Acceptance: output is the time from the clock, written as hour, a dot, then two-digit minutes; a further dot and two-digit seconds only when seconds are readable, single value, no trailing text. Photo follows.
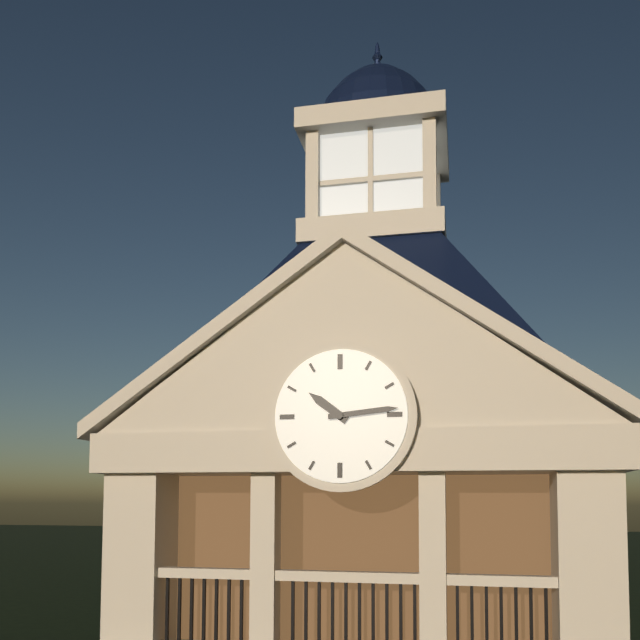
10.14
